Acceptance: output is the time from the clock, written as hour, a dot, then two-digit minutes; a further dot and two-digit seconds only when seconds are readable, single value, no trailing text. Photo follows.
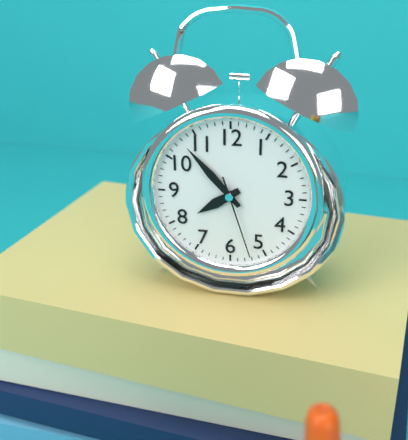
7.53.27
